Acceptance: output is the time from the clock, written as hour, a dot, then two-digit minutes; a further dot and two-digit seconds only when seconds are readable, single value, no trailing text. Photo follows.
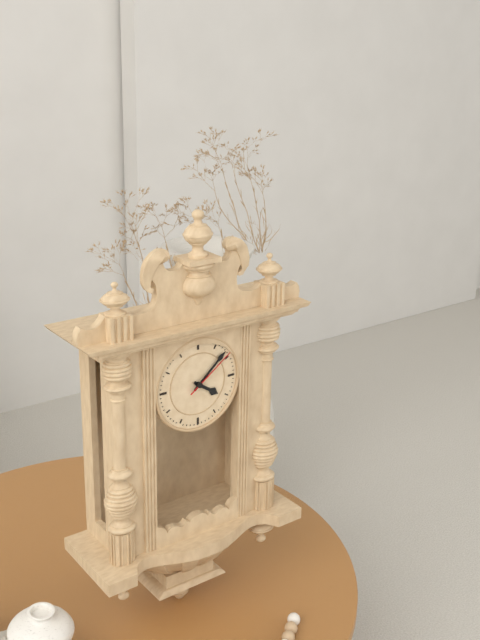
4.08.09
